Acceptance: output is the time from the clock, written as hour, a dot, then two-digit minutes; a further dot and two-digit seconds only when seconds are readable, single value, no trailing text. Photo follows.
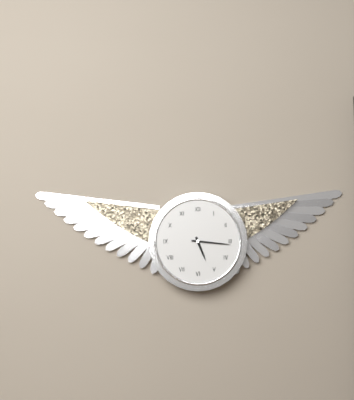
5.16
